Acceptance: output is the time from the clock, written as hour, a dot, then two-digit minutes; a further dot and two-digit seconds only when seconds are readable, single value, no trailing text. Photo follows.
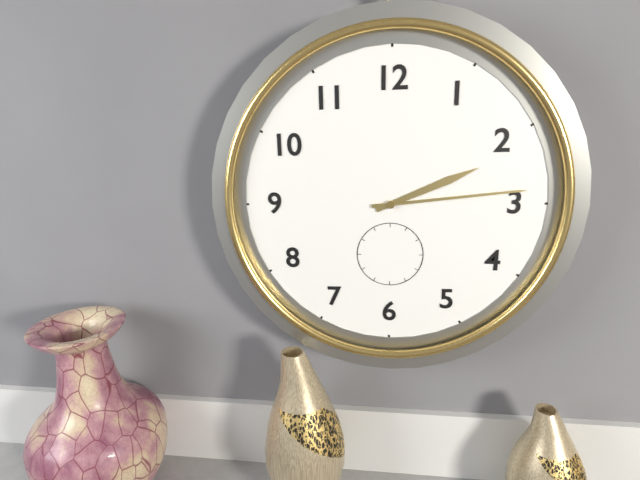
2.14
